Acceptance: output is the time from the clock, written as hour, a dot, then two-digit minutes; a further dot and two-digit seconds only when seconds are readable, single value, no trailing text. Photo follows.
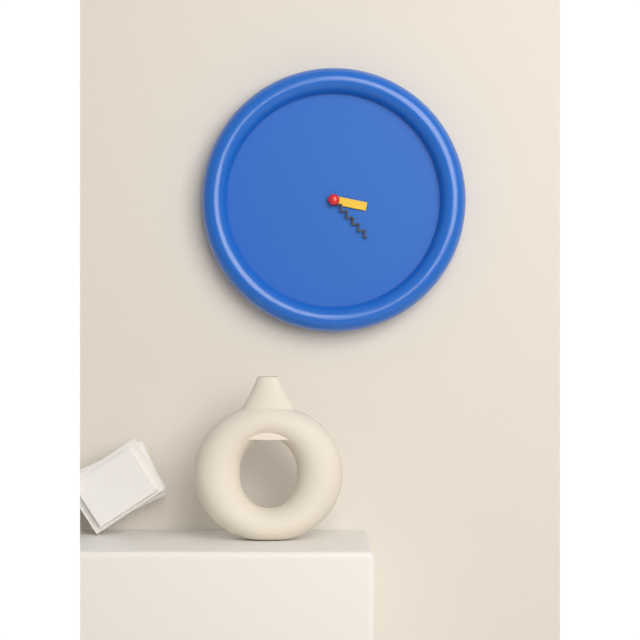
3.23
